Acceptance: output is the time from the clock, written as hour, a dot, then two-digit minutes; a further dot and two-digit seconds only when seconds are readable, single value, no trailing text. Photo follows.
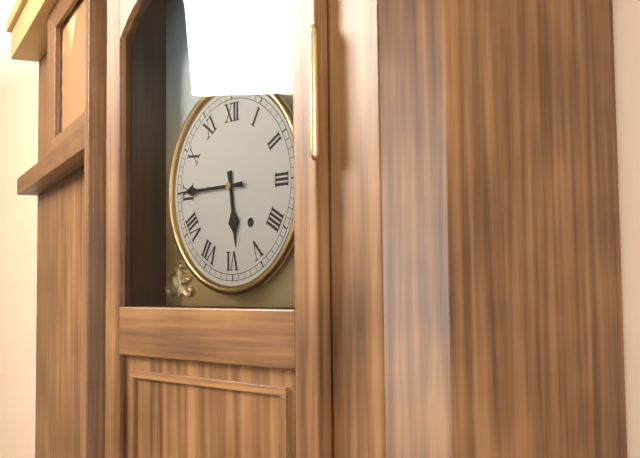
5.45
